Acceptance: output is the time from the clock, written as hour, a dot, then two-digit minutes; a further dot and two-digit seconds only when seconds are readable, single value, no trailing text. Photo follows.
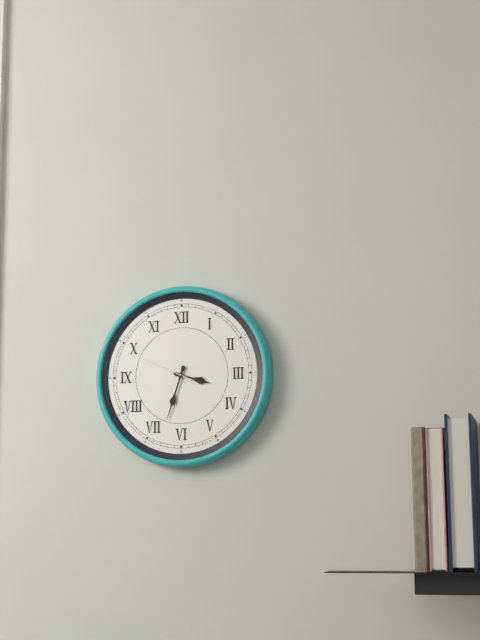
3.33.49
